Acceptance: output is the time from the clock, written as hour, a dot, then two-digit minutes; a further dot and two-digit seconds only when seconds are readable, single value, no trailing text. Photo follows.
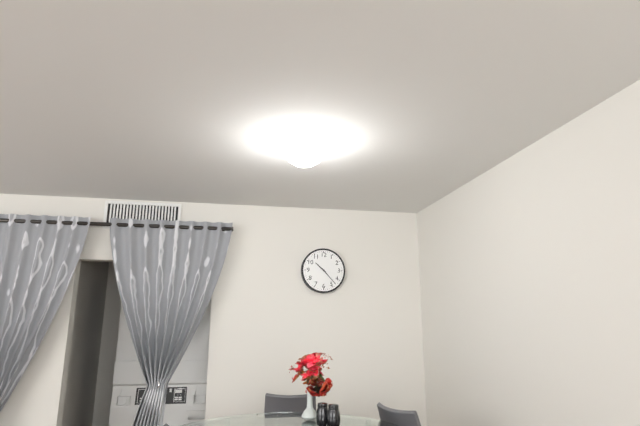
10.23
